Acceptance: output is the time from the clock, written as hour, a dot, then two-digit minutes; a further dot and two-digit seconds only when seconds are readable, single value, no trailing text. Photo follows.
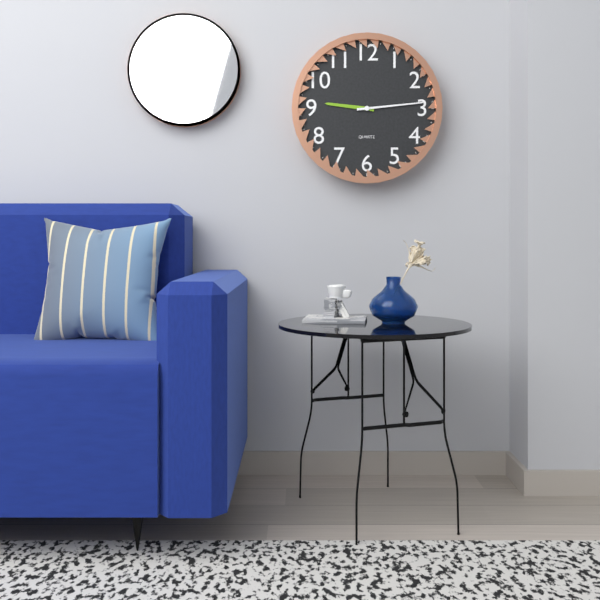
9.14
